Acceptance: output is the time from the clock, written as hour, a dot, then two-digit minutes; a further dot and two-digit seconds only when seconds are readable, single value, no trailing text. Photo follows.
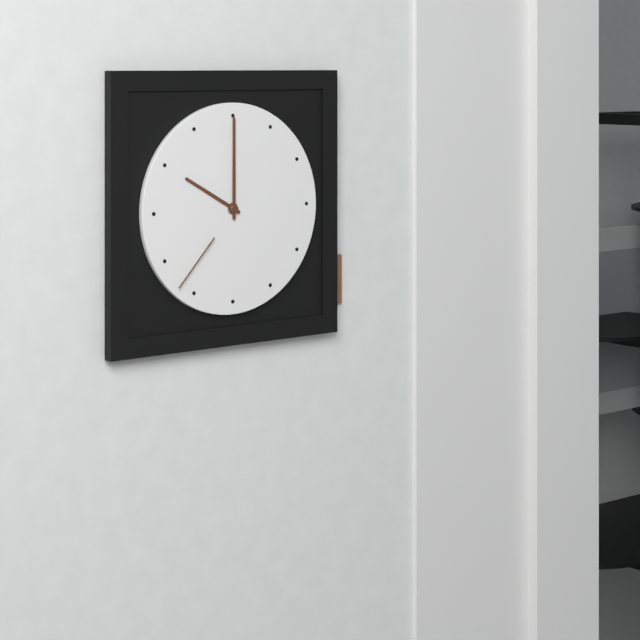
10.00.37
